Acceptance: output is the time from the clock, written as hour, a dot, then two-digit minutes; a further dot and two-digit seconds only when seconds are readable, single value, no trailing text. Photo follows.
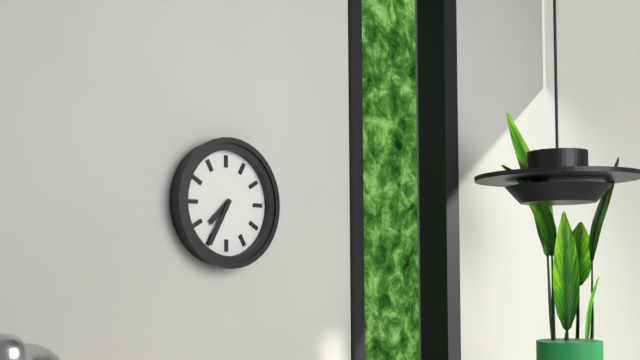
7.35
